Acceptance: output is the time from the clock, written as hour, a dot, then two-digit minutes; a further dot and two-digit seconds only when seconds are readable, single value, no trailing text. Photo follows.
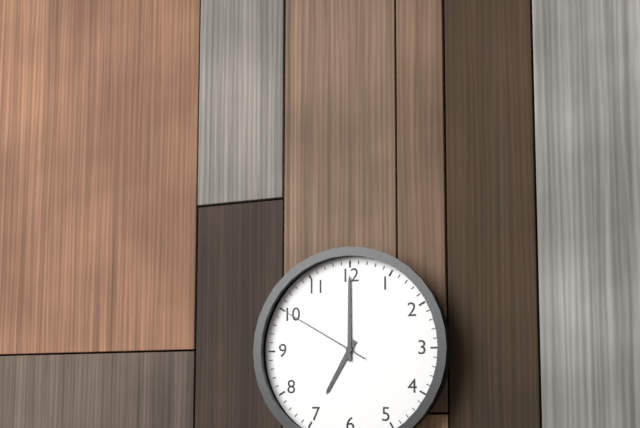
7.00.50
